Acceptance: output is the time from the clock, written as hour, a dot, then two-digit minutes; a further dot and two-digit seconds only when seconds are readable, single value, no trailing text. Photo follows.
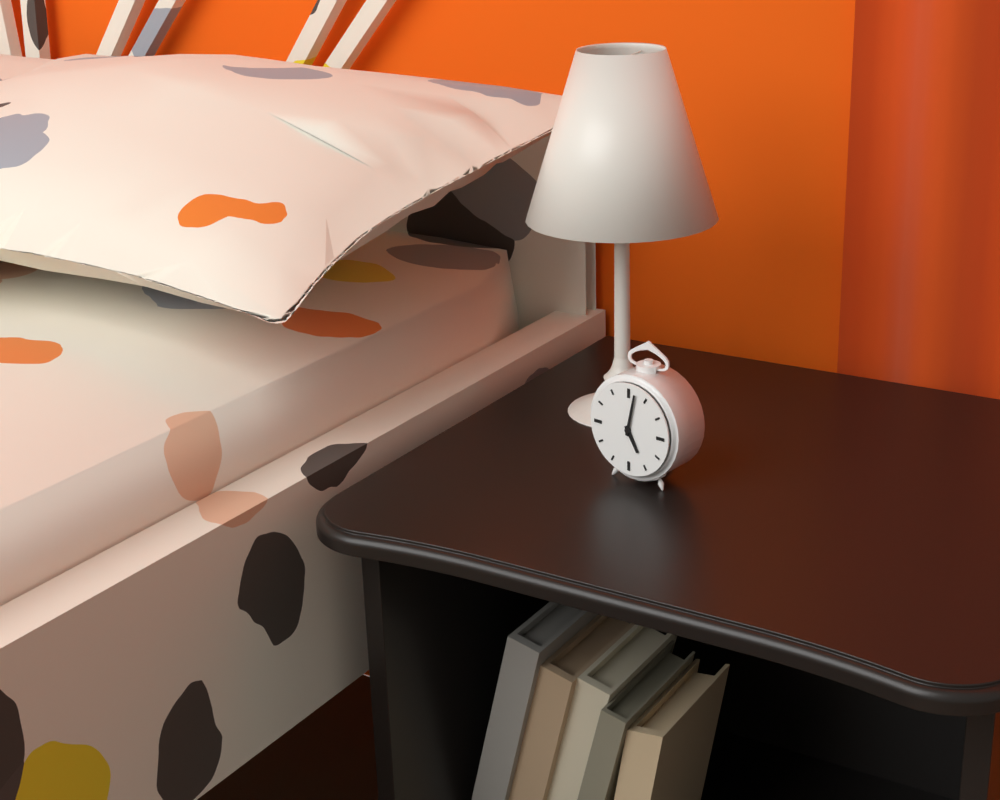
5.02
